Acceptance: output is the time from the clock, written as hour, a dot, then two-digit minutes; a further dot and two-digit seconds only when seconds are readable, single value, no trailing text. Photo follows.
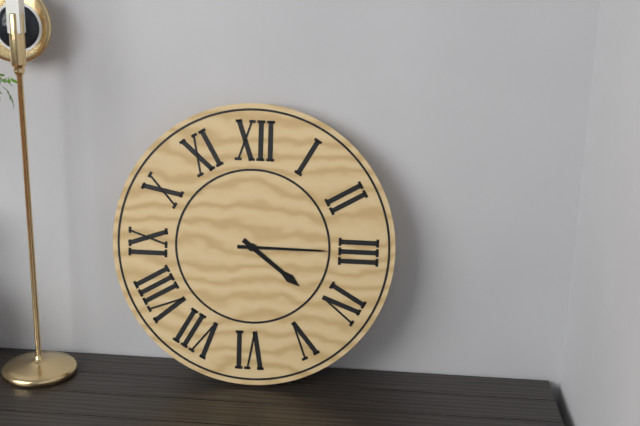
4.15
